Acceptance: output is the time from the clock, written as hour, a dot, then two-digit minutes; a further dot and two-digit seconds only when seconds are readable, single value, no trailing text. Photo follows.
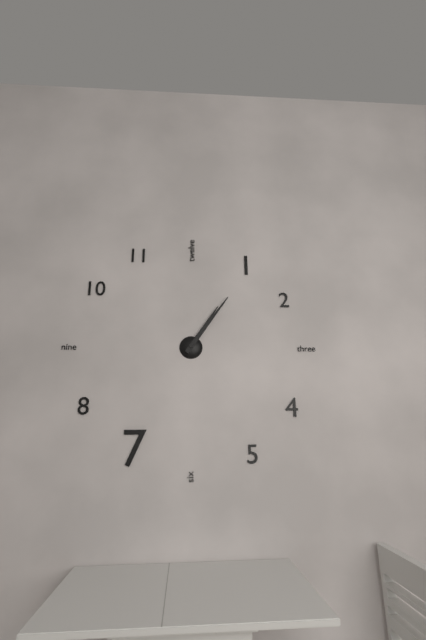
1.06
